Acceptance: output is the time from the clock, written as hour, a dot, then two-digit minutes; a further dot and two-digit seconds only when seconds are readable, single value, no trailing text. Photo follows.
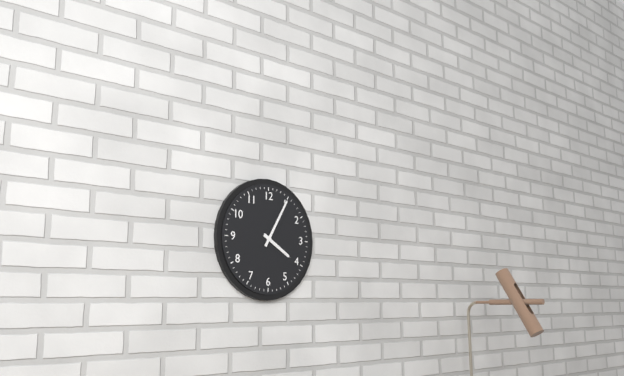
4.05
